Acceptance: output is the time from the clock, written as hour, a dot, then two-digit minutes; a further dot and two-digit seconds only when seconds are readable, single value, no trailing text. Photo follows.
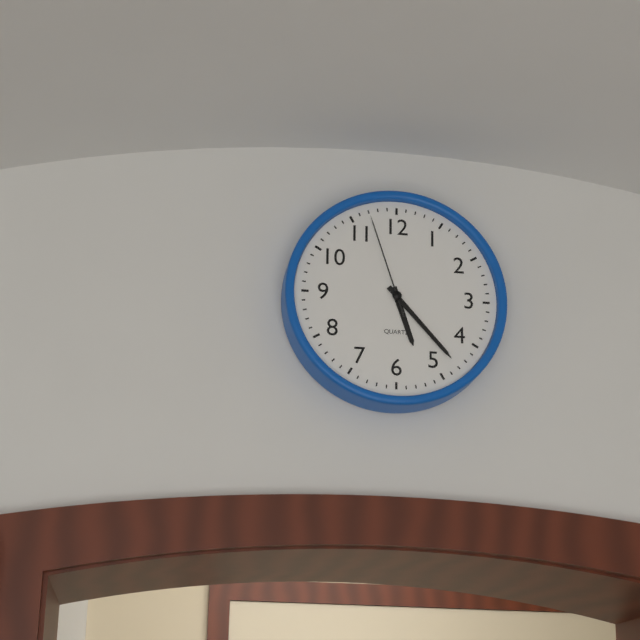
5.23.57
